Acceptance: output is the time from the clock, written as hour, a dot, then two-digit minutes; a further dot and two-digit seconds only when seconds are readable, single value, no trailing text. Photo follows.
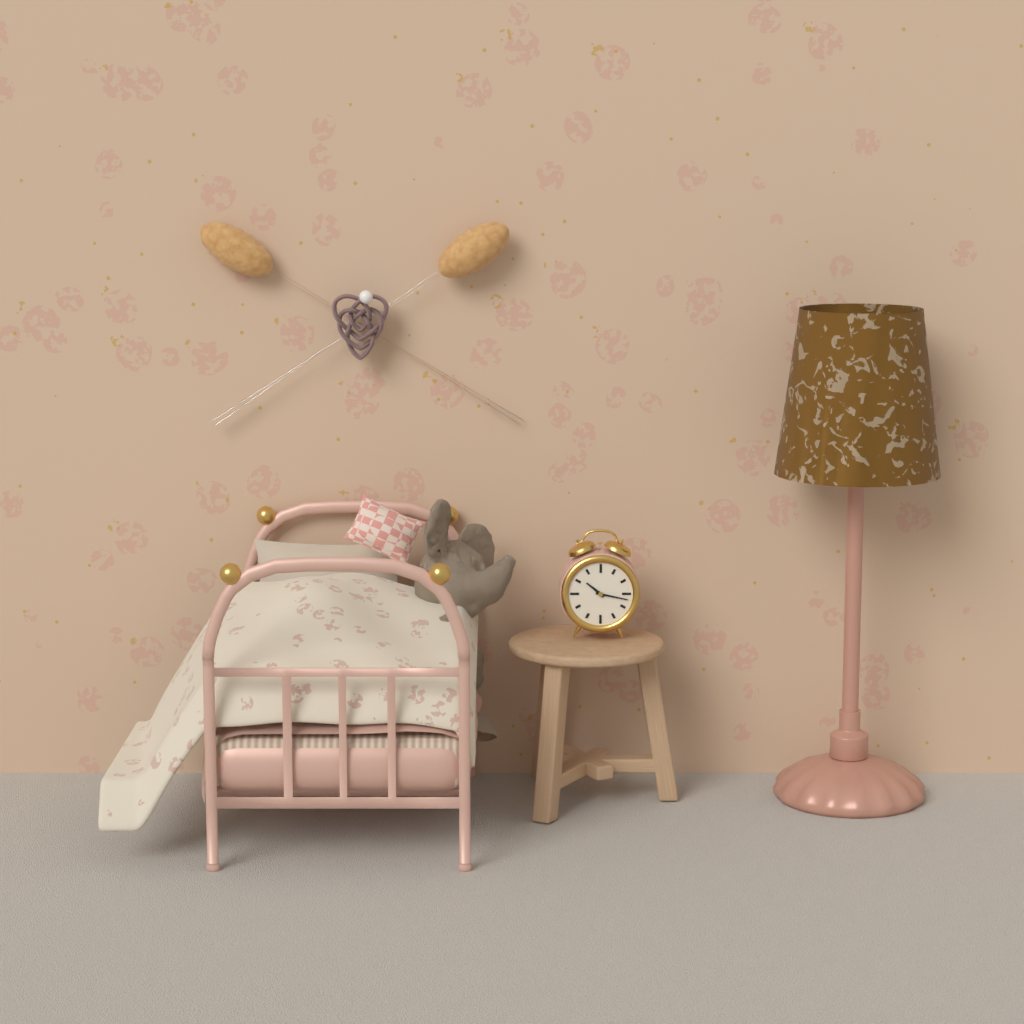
10.17
